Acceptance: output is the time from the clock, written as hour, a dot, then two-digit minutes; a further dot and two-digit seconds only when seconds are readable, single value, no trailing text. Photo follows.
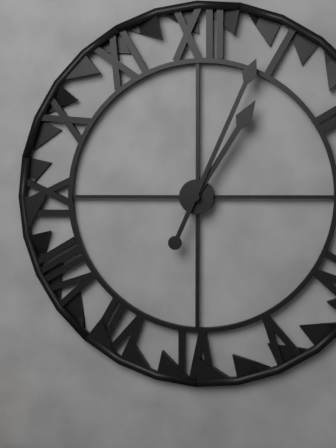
1.04
